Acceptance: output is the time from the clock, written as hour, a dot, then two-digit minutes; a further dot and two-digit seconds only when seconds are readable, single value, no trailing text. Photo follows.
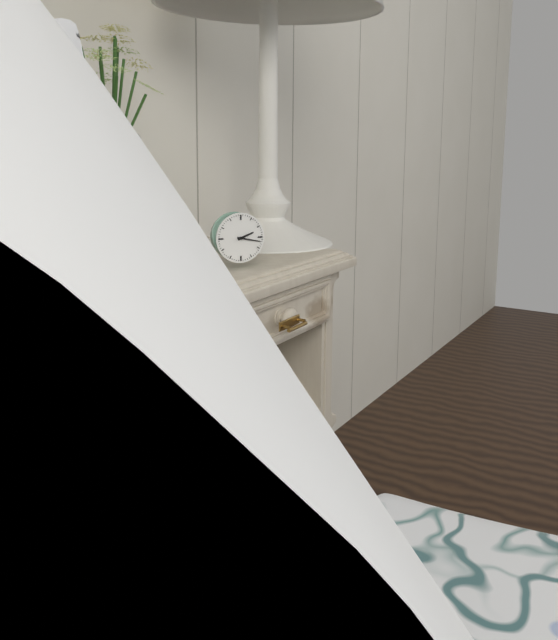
2.17
